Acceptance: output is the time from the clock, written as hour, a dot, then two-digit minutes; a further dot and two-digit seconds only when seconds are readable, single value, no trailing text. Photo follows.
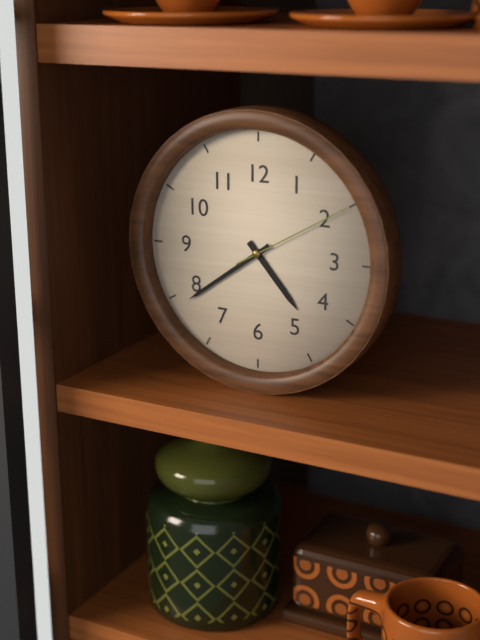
4.39.10
